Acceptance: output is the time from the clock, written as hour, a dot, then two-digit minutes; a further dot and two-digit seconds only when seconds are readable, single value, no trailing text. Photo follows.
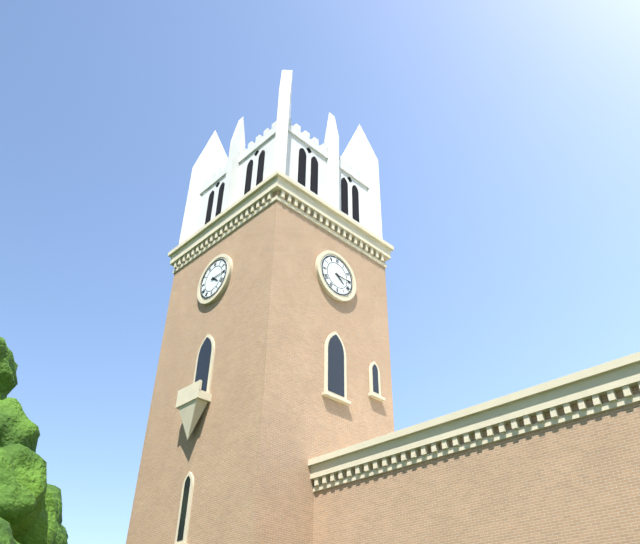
4.15
